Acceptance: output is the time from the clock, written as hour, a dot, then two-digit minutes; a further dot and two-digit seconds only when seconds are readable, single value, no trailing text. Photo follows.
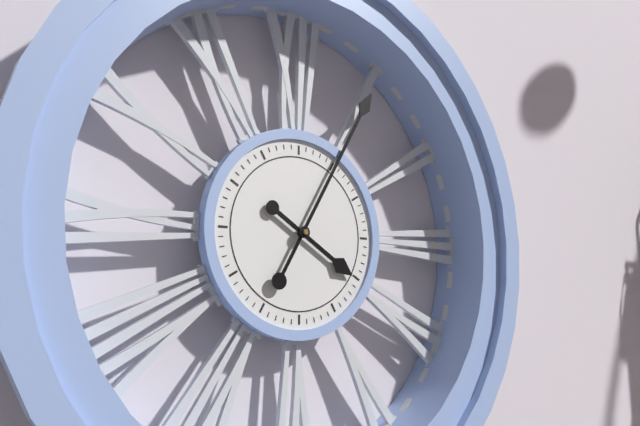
4.05
